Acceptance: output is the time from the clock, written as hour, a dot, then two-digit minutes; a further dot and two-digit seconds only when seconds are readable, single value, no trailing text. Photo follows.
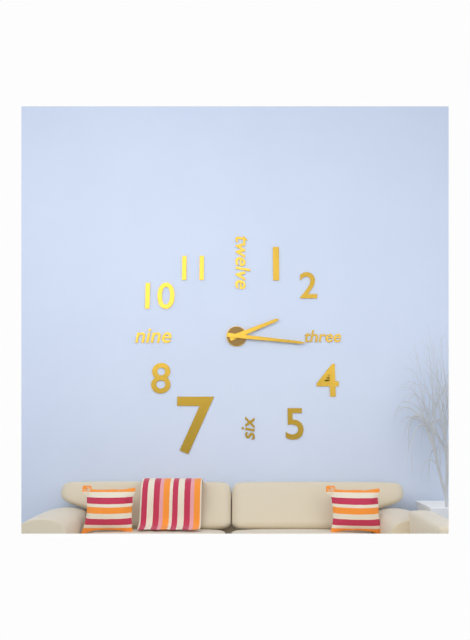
2.16
